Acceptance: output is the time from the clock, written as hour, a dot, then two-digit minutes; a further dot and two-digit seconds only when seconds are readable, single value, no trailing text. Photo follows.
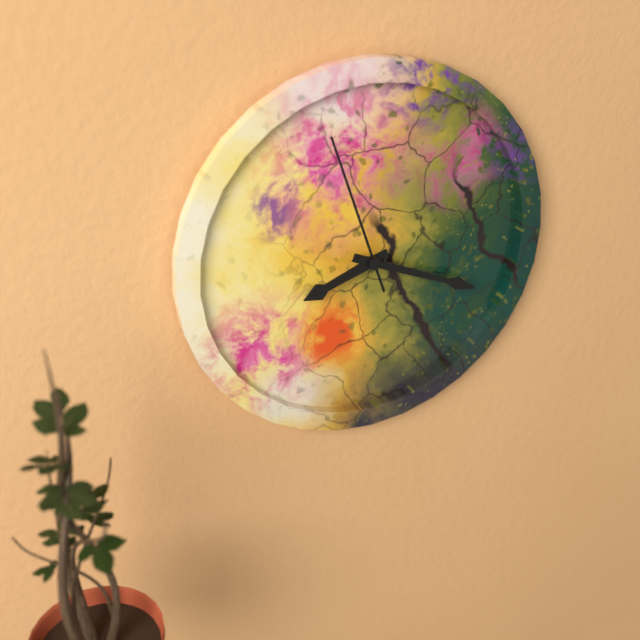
8.19.57
